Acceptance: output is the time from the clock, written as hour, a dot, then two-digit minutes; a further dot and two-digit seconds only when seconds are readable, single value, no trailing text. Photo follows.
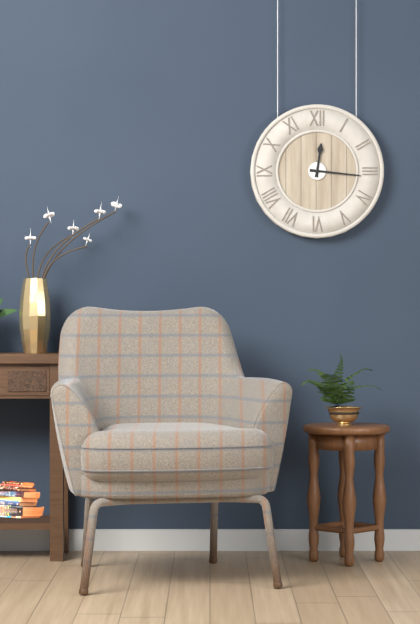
12.16
